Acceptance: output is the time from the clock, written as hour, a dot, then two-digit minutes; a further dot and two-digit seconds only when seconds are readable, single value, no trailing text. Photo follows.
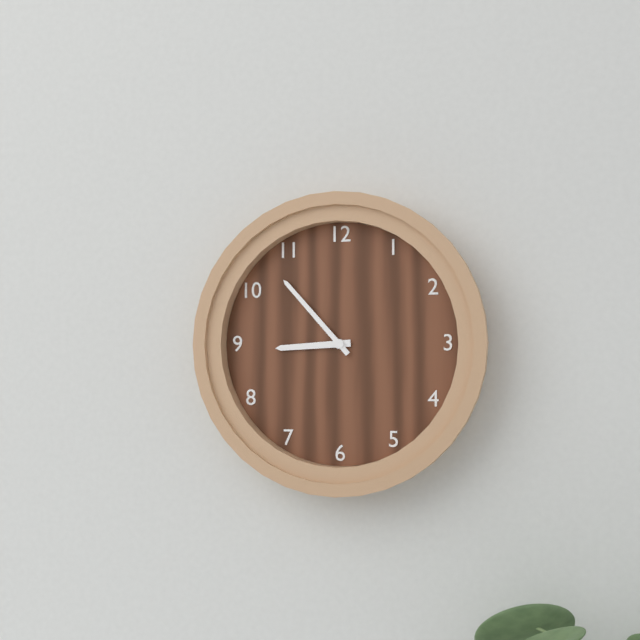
8.53
